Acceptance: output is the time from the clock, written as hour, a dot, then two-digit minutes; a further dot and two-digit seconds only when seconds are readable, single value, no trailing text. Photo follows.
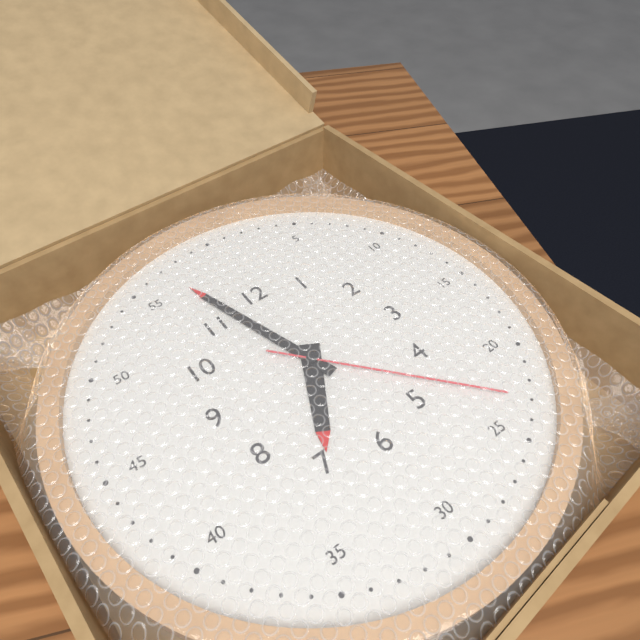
6.57.23
